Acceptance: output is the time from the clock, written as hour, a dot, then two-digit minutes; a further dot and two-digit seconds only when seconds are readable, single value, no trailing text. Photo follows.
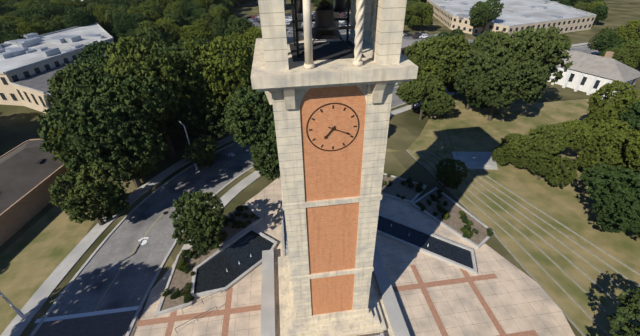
7.19
